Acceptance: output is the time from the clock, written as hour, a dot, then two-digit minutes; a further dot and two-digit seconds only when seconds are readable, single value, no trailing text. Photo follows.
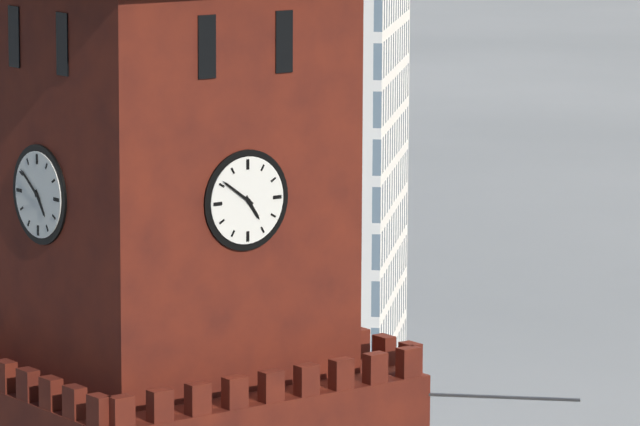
4.51
